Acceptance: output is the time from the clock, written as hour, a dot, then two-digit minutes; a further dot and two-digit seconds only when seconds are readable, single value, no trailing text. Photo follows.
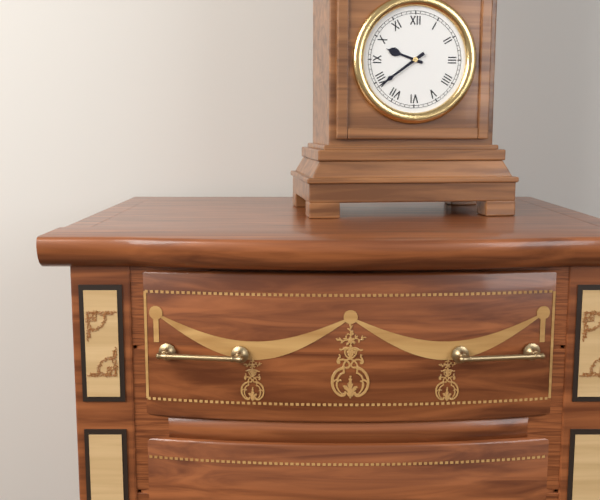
9.39
